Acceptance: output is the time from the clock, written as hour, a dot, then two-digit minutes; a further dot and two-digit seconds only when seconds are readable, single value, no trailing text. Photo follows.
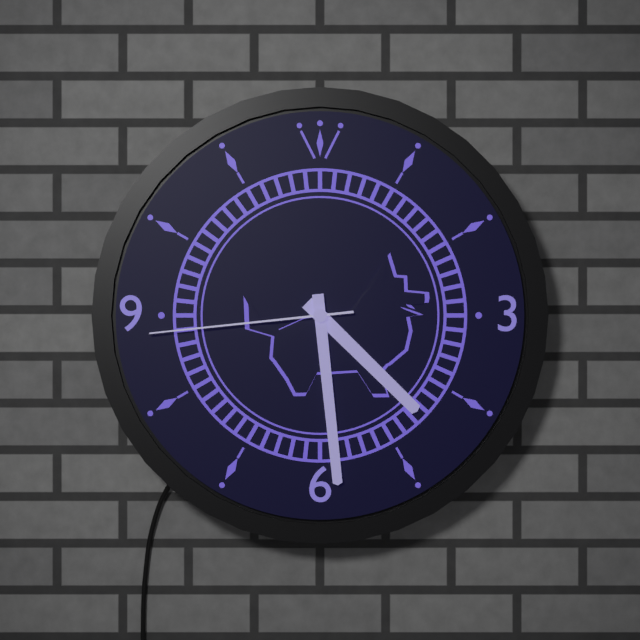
4.29.44
